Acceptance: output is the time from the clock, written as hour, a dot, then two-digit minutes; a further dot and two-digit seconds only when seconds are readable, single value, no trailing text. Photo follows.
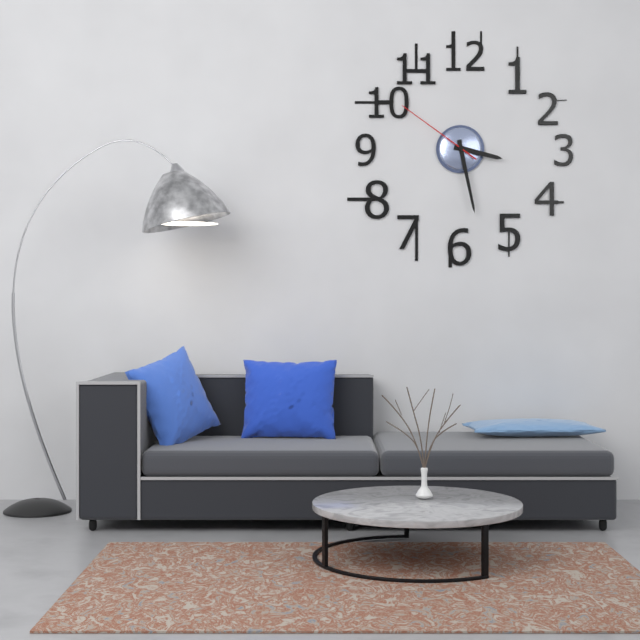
3.28.51
